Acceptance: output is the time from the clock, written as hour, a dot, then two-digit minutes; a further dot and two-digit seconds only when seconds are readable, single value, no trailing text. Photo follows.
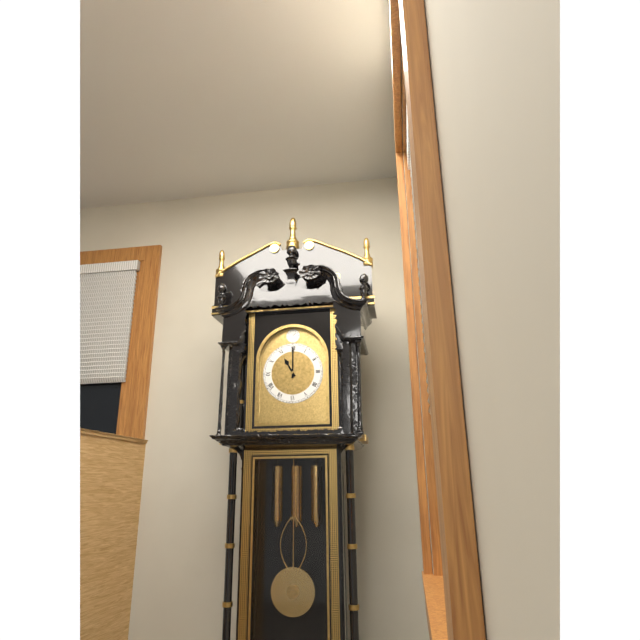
11.00
